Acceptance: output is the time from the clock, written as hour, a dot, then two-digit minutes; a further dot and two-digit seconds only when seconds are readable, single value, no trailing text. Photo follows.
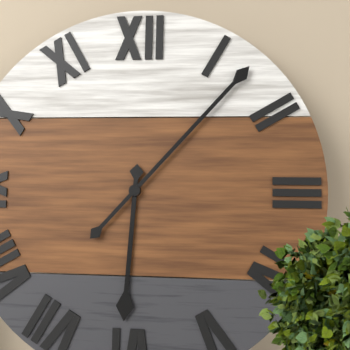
6.07
